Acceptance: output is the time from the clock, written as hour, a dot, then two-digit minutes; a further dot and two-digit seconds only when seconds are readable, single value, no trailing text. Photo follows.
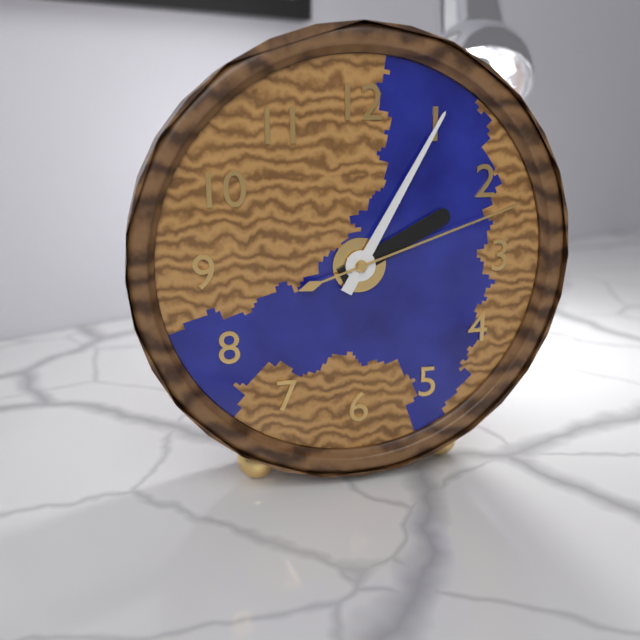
2.05.12
